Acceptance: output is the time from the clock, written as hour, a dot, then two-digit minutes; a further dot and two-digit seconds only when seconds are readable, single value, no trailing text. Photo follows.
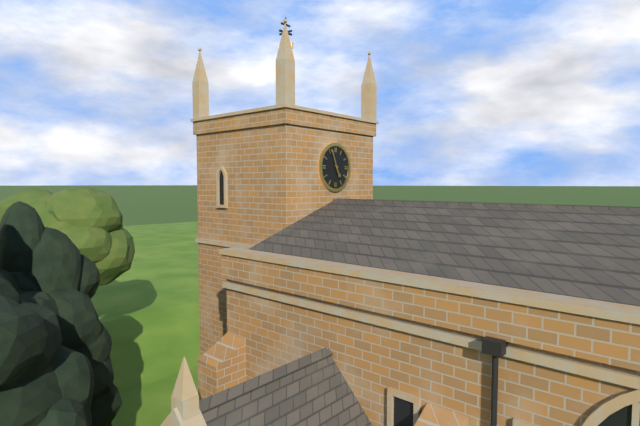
4.56
